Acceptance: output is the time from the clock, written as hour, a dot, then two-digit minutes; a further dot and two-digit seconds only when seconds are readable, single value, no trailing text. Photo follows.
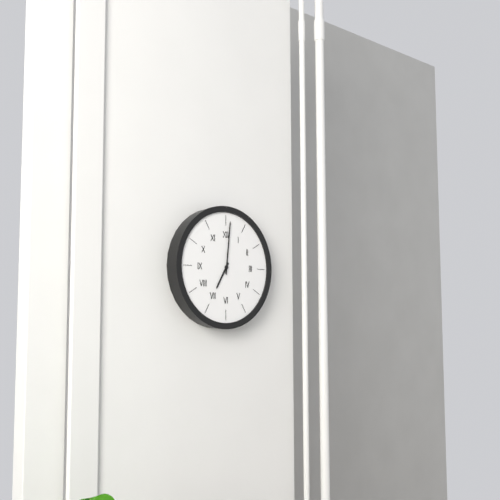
7.01
